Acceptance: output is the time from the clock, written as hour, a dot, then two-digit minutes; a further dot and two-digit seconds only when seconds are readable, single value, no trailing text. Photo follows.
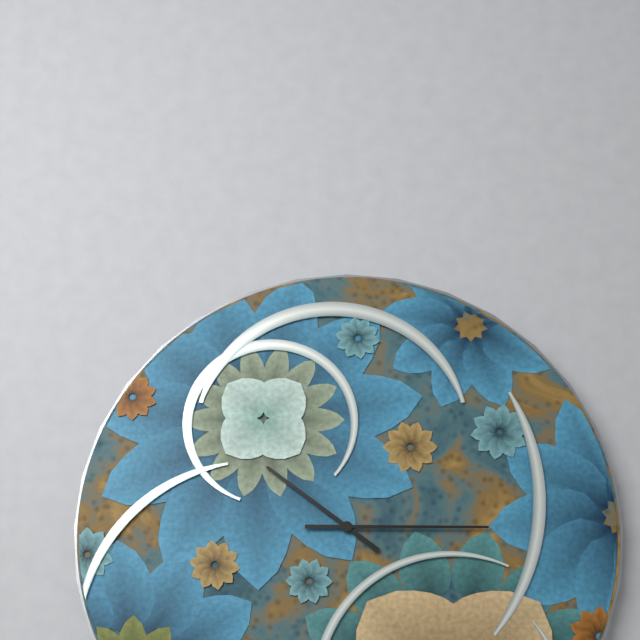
10.15
